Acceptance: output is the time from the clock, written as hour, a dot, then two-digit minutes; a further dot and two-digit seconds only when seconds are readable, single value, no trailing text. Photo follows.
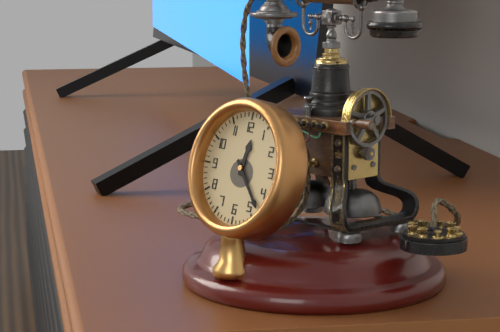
12.23
